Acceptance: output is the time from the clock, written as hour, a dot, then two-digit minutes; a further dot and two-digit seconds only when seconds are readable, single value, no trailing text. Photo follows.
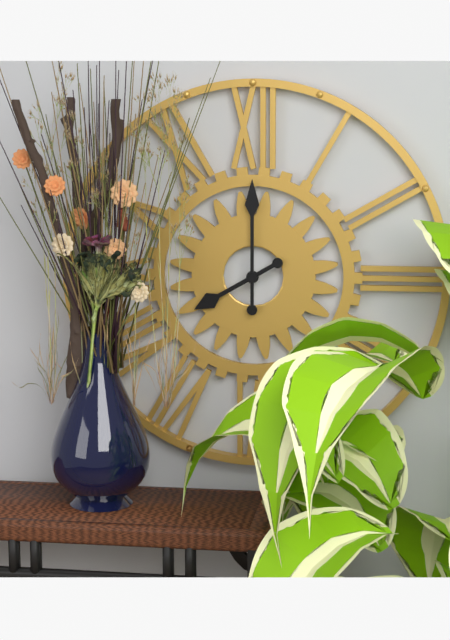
8.00
